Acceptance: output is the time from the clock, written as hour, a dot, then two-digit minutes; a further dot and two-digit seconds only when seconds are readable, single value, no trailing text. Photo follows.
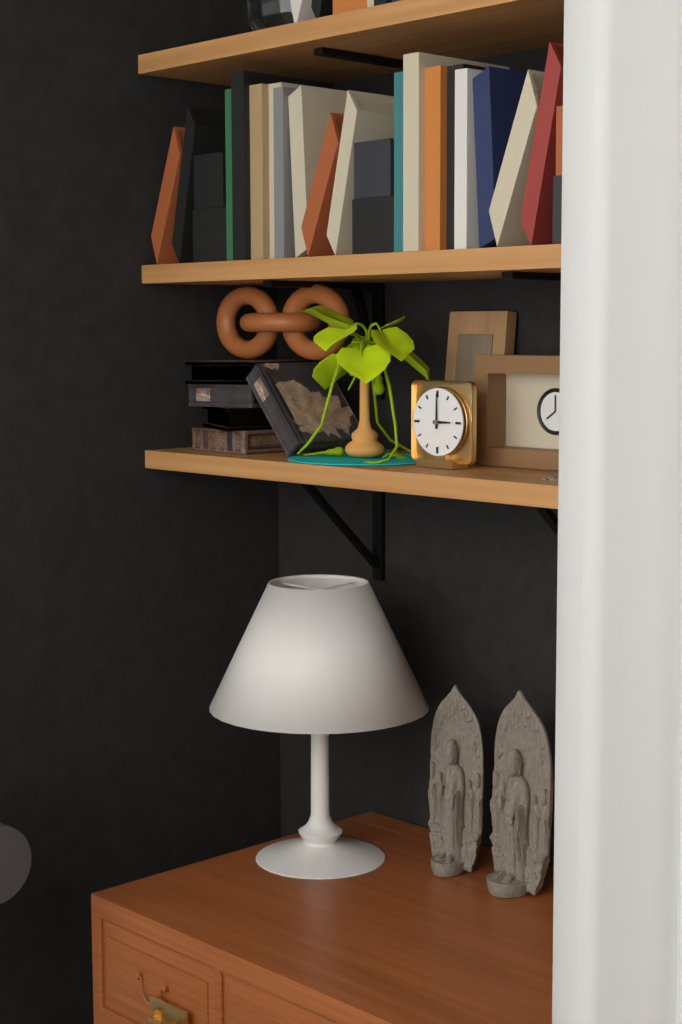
3.00
